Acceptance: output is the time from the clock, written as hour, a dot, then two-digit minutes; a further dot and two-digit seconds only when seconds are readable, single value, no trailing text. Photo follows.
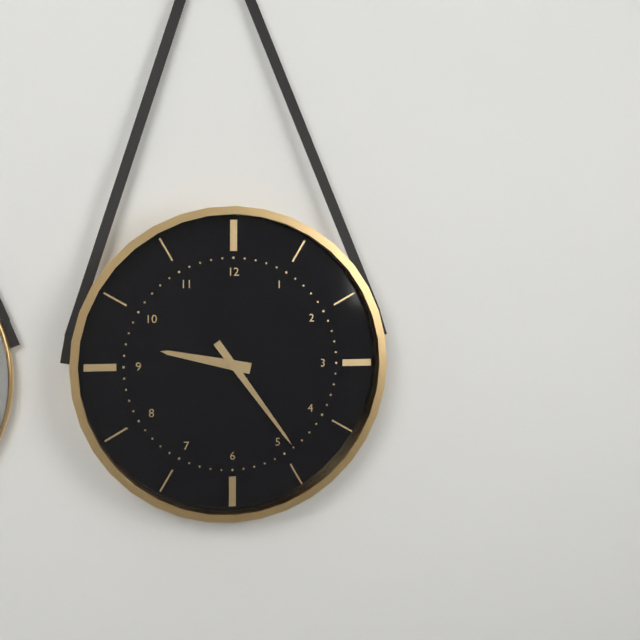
9.24
